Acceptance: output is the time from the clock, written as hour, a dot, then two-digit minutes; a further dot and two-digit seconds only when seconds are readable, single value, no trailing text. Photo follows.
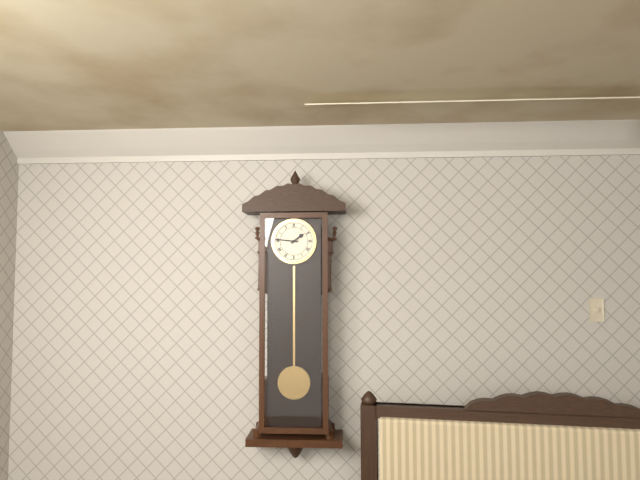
1.46
